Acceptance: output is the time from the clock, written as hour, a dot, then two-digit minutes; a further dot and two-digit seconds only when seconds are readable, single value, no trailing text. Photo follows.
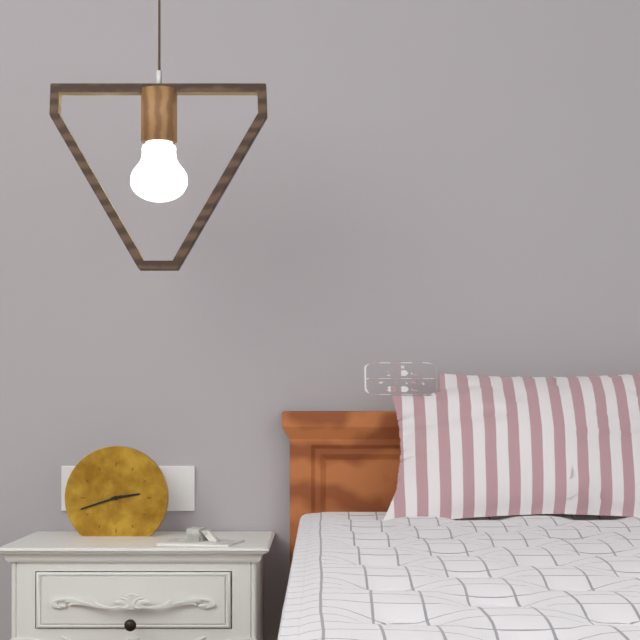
2.42
